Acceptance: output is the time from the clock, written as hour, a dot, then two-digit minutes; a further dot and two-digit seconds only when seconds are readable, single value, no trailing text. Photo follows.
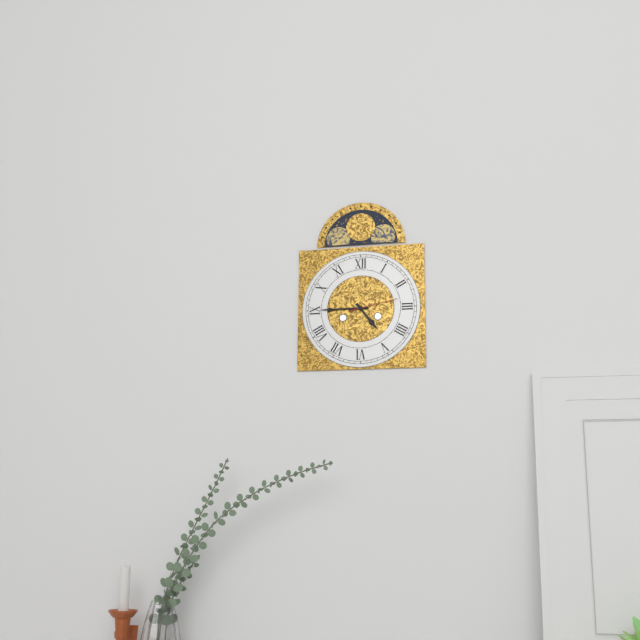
4.45
